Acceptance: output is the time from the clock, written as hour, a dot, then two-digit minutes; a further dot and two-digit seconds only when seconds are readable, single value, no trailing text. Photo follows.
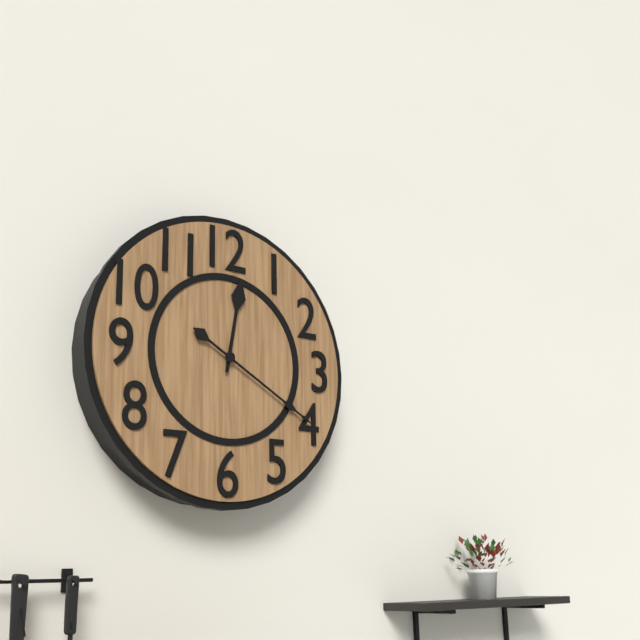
12.20
